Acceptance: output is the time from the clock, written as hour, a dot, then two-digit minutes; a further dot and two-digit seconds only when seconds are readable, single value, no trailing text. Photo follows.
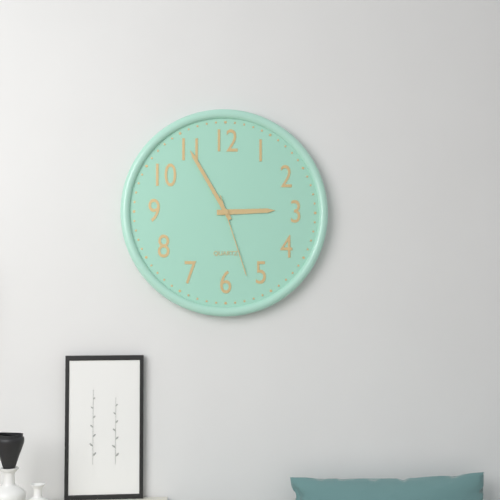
2.55.27
